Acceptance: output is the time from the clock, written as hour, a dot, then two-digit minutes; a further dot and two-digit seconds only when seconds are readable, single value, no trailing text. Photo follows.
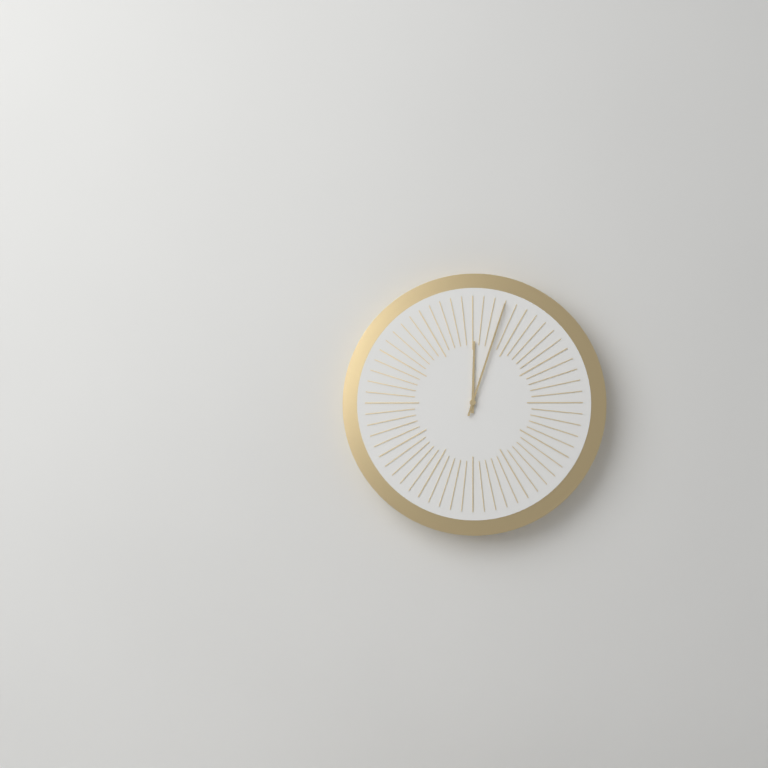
12.03
